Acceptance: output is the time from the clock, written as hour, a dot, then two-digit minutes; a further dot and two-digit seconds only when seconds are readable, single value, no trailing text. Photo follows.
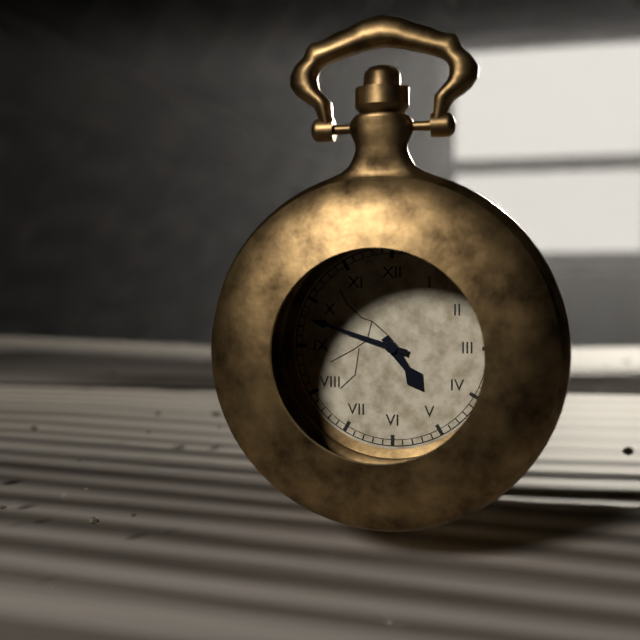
4.48
